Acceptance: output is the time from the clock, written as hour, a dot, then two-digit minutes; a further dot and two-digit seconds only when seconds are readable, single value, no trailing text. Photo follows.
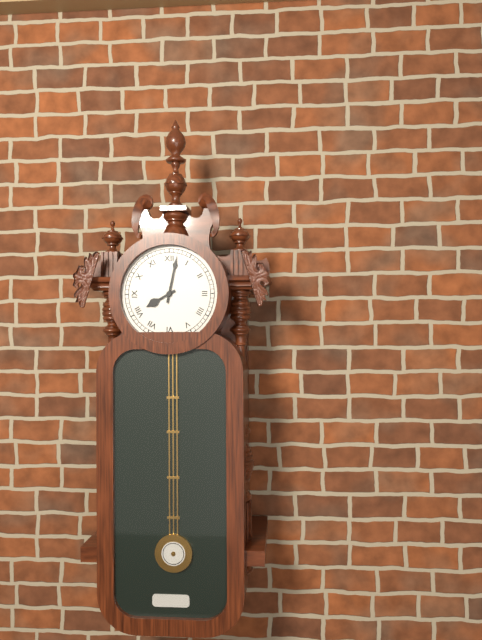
8.02
